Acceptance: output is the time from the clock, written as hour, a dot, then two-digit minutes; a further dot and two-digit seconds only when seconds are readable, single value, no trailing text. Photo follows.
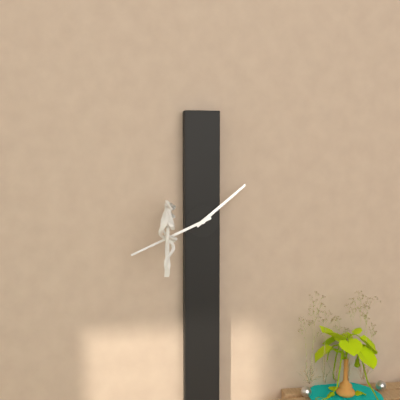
1.41
